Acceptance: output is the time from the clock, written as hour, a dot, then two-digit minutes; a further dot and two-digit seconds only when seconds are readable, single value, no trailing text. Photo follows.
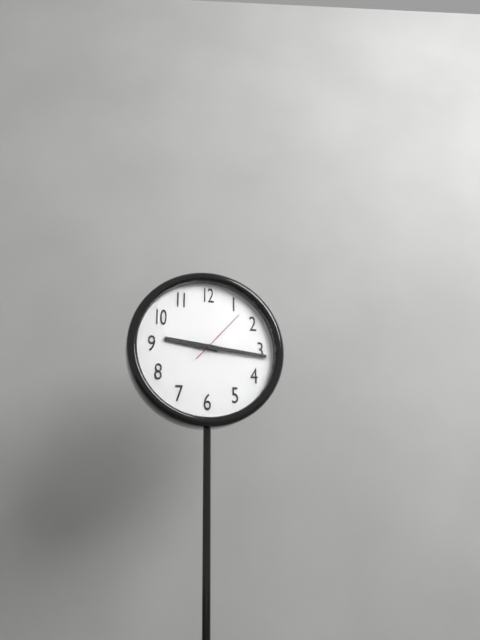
9.16.07
